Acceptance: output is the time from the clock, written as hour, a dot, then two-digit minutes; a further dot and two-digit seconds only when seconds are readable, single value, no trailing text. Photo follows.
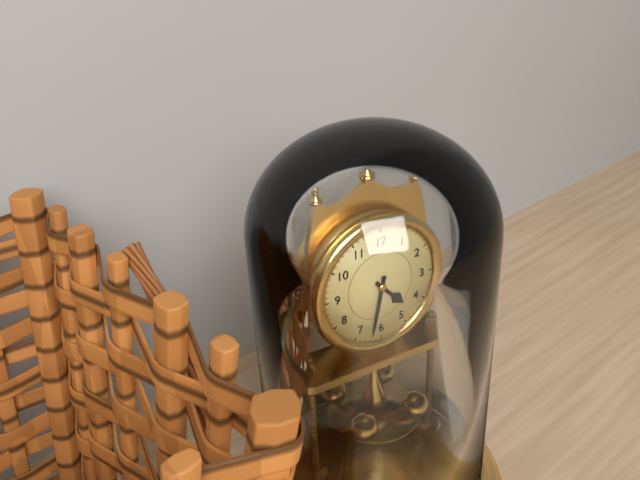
4.32
